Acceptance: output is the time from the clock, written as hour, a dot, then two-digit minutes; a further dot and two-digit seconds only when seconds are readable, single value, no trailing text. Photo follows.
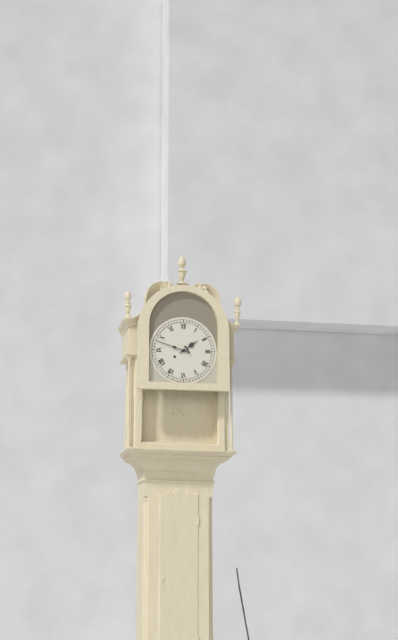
1.48
